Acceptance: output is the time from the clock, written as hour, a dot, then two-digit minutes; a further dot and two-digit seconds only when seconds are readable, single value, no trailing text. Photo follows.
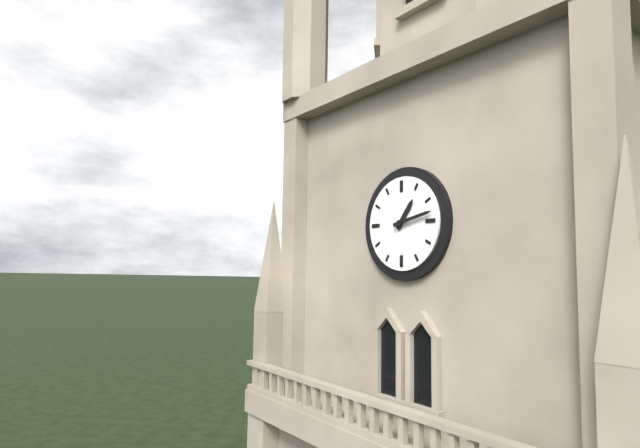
1.13
